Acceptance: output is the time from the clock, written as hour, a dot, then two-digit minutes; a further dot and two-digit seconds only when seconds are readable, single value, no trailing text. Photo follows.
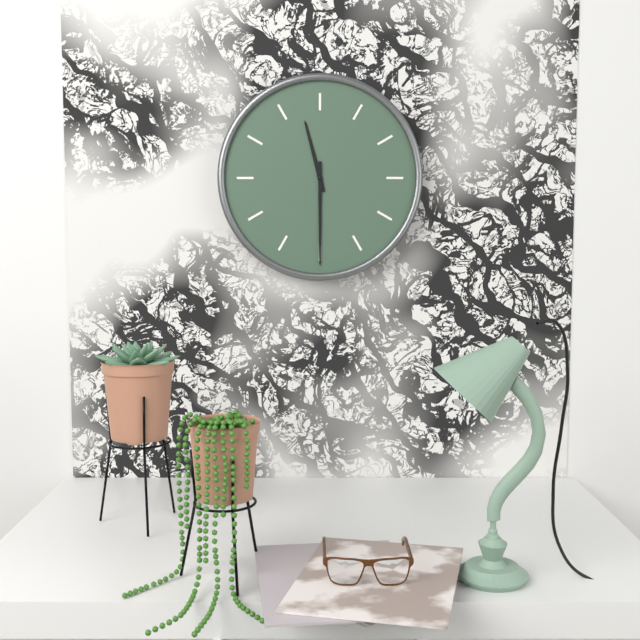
11.30
